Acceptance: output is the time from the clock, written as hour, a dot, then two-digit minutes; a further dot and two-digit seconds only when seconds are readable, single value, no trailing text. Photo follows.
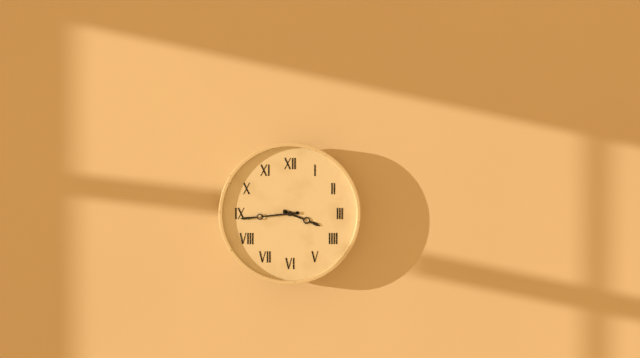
3.44
